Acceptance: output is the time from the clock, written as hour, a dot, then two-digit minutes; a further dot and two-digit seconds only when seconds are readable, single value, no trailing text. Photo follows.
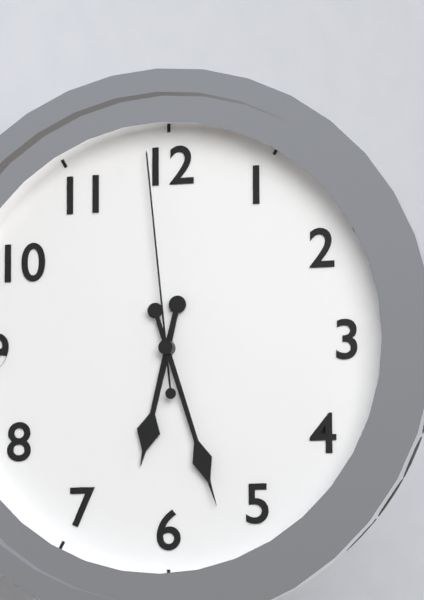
6.27.59
